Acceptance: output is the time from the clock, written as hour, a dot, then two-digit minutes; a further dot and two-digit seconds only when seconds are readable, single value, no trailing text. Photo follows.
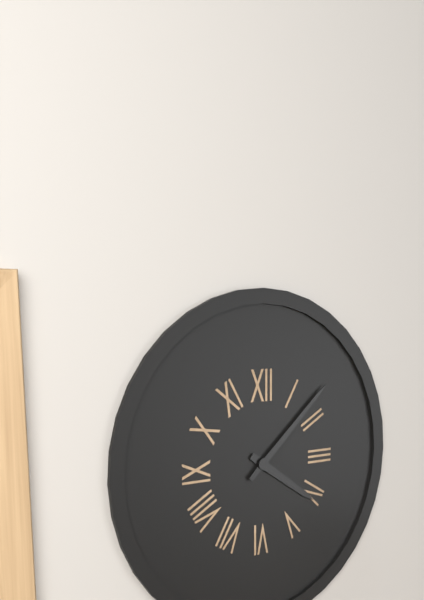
4.08
